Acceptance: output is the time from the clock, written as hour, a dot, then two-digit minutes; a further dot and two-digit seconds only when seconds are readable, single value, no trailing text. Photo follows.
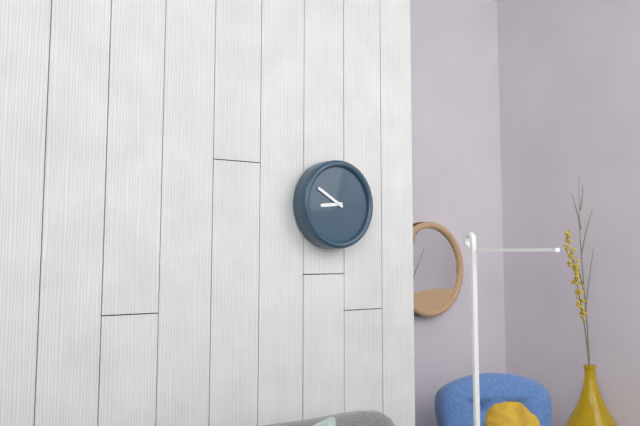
8.50
